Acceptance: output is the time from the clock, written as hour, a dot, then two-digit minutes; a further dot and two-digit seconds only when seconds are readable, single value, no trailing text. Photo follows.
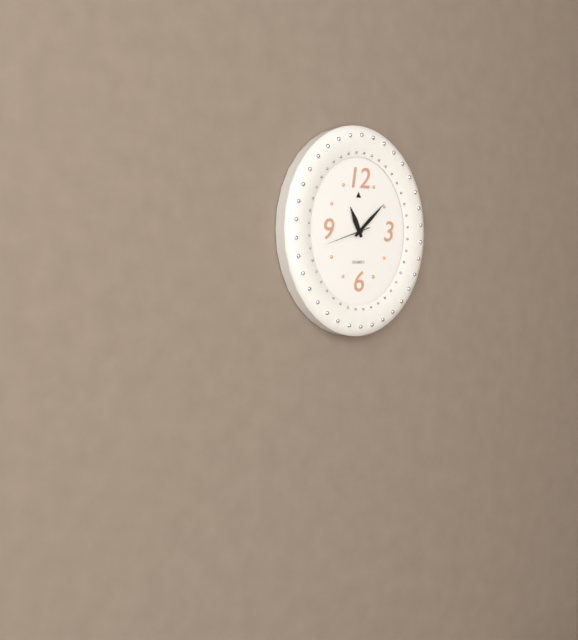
11.08
